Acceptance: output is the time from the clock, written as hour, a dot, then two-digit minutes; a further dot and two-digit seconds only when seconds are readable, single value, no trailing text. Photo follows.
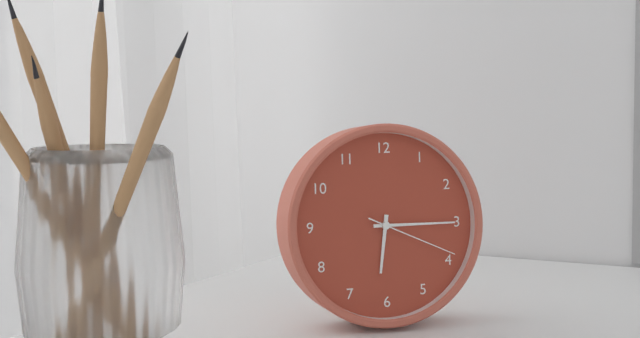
6.15.19
